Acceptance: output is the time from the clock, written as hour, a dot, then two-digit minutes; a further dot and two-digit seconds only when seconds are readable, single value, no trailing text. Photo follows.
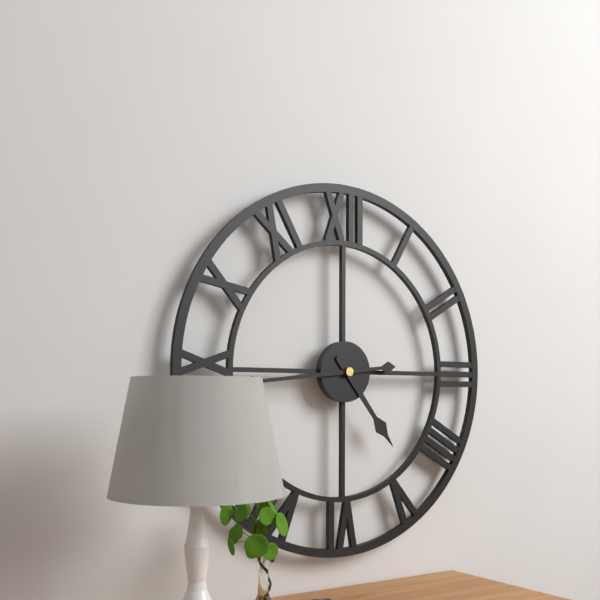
4.44
